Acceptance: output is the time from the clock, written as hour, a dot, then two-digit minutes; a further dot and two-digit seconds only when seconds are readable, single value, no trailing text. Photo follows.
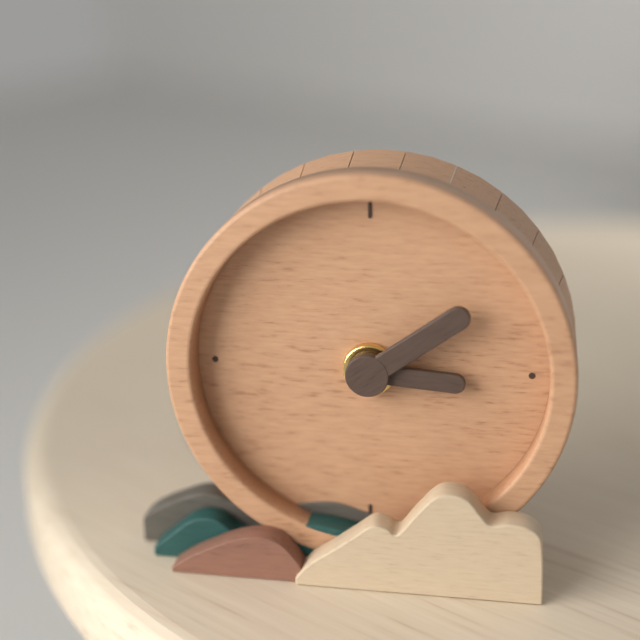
3.09
